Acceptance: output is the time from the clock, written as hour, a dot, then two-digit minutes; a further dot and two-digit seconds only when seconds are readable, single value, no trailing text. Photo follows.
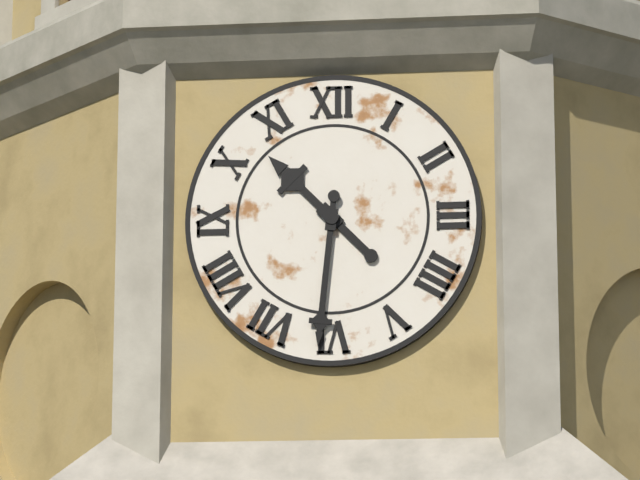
10.31
